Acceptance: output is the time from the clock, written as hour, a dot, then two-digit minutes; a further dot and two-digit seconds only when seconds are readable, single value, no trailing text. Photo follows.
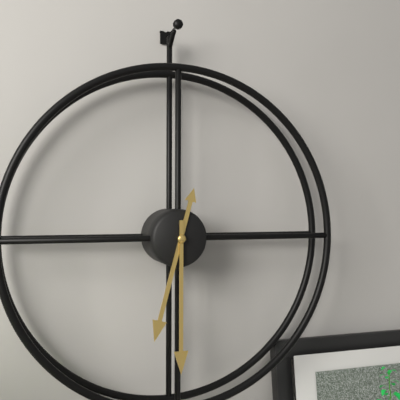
6.30
